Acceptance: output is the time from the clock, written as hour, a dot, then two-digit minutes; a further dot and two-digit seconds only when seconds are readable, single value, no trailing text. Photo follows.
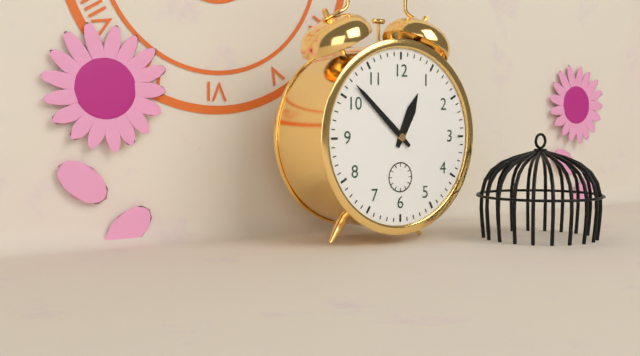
12.52
